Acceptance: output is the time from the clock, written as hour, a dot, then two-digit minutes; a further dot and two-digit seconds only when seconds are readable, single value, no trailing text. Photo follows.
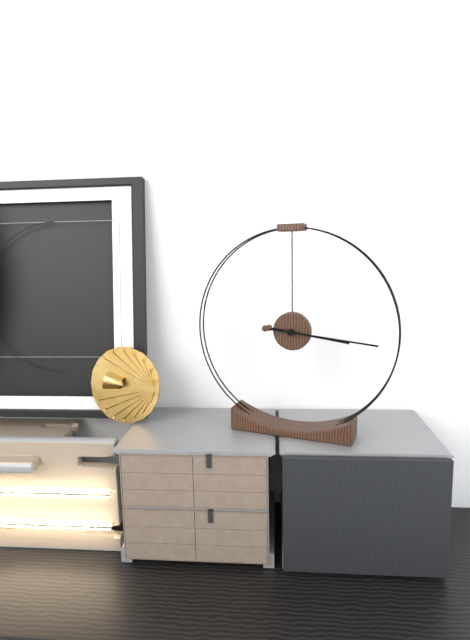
3.16
